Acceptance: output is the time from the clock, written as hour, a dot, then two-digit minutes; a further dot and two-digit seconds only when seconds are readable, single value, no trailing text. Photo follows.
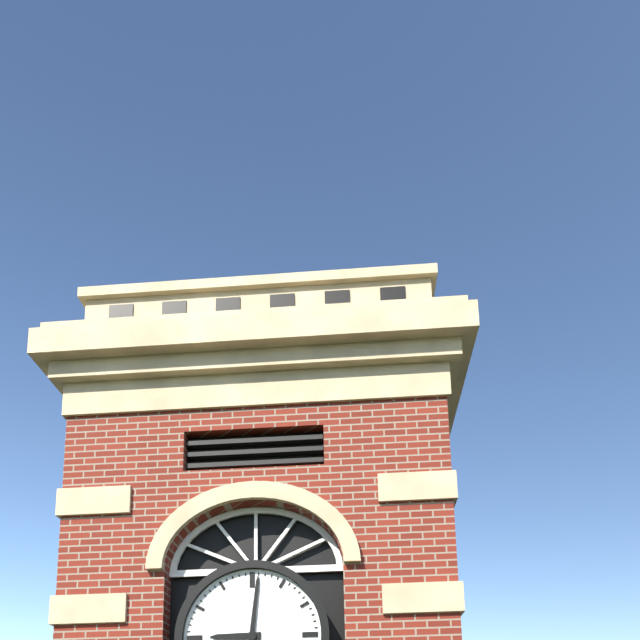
9.01
